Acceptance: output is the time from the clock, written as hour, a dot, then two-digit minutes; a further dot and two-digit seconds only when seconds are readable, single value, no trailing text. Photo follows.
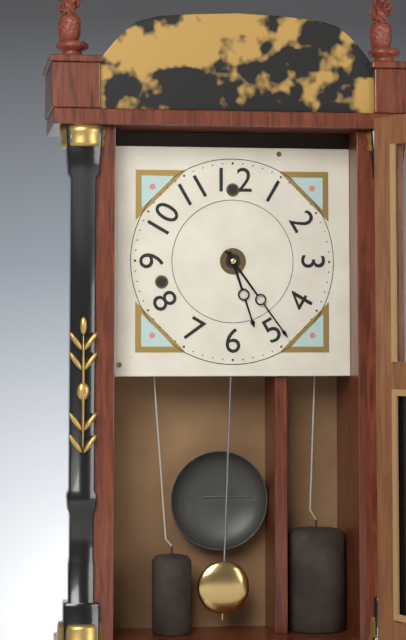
5.24
